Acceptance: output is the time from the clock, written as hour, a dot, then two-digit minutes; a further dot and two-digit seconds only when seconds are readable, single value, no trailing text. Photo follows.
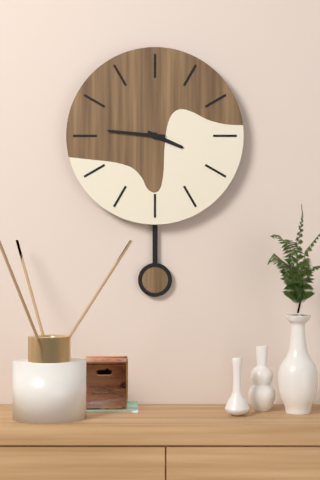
3.46
